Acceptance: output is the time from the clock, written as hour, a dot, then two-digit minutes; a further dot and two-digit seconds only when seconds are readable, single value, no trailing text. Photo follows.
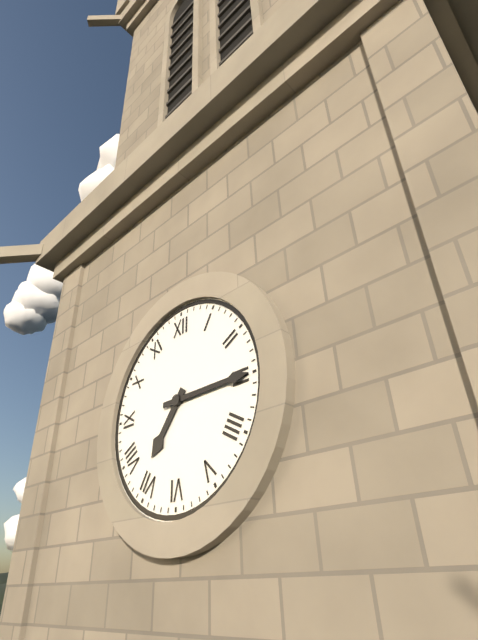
7.15
